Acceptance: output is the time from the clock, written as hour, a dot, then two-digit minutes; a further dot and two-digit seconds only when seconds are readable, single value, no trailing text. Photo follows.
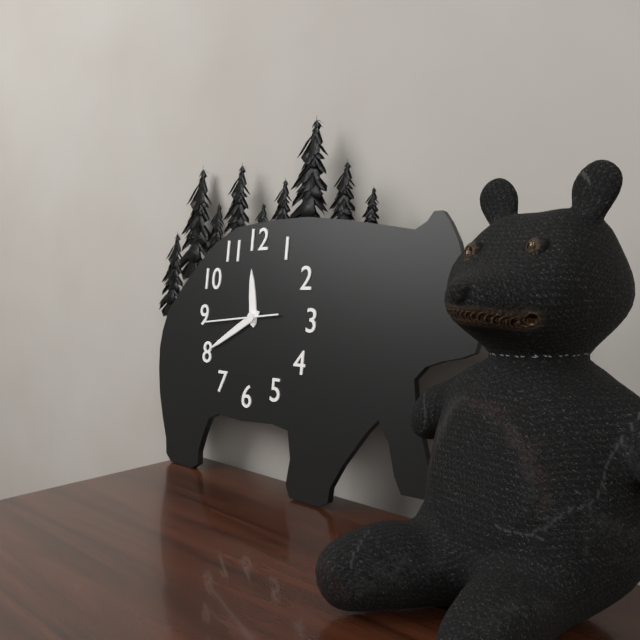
11.40.44
